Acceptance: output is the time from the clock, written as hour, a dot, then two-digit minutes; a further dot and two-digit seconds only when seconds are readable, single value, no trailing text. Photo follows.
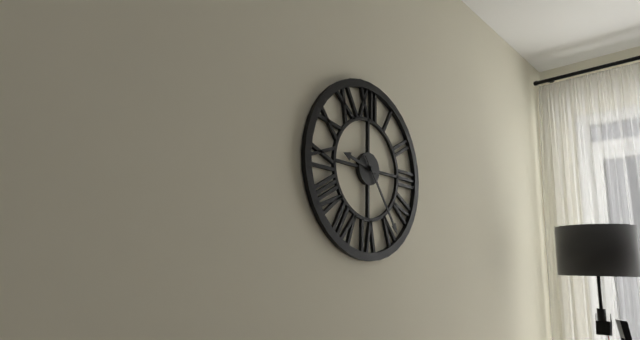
9.24
